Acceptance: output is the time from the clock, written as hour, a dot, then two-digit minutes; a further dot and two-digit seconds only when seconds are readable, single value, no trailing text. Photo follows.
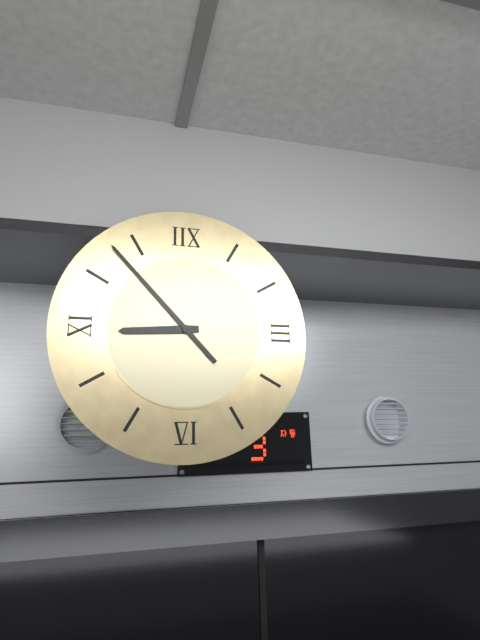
8.53
